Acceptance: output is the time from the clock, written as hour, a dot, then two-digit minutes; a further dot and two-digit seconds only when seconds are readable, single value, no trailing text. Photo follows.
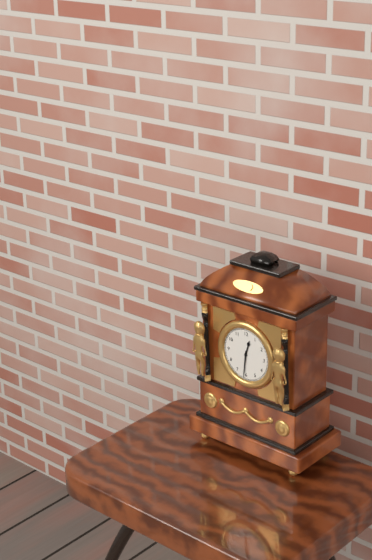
12.31
